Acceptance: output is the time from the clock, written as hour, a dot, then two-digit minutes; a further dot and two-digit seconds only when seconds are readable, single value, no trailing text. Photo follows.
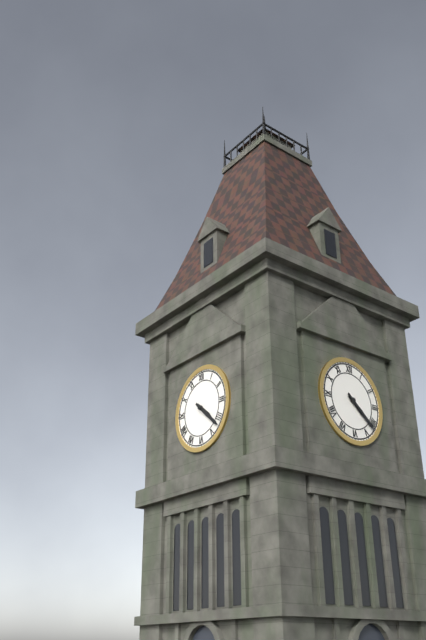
4.22
